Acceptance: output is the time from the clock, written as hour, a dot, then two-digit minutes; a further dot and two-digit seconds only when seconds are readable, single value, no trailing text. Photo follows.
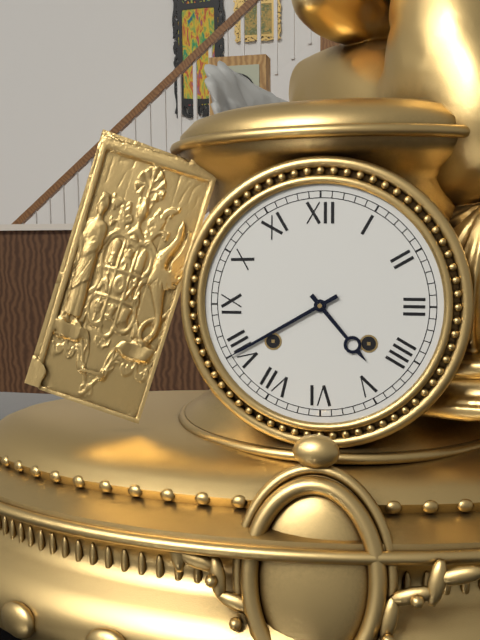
4.40
